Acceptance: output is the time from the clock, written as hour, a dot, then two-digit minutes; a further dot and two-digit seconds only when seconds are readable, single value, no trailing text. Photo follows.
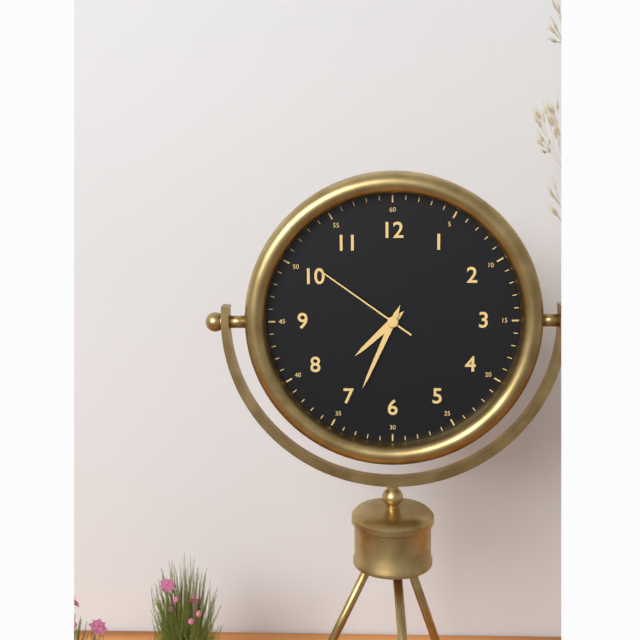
7.34.51
